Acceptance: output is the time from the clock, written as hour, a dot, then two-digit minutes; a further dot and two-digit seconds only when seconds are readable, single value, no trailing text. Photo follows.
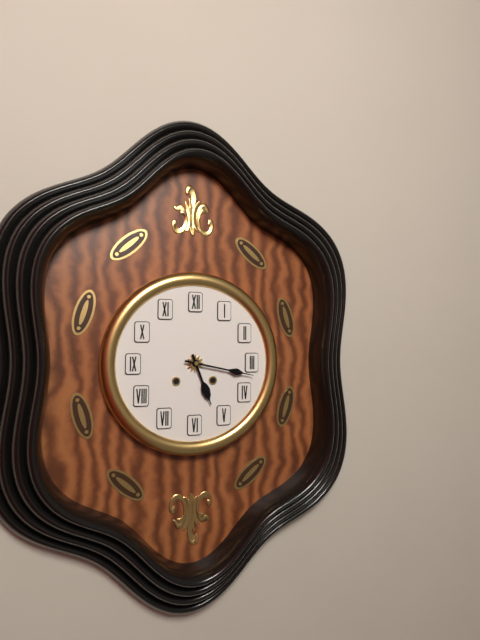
5.17
